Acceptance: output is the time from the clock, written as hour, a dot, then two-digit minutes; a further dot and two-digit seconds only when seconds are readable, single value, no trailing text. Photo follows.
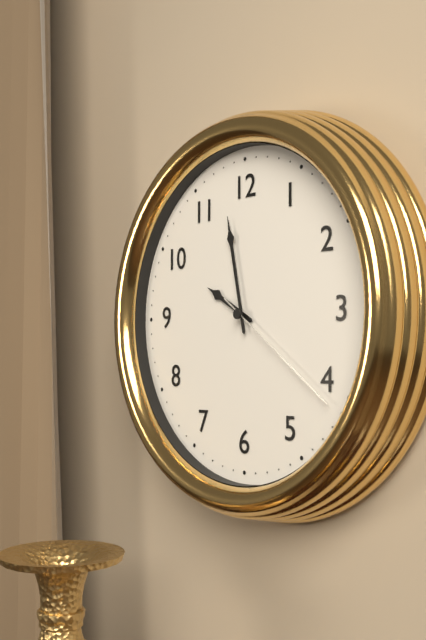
9.58.21
